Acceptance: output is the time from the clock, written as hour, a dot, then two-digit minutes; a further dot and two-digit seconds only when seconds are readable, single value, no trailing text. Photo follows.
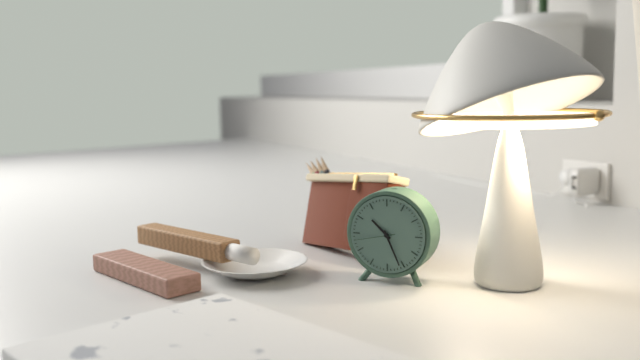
10.26
